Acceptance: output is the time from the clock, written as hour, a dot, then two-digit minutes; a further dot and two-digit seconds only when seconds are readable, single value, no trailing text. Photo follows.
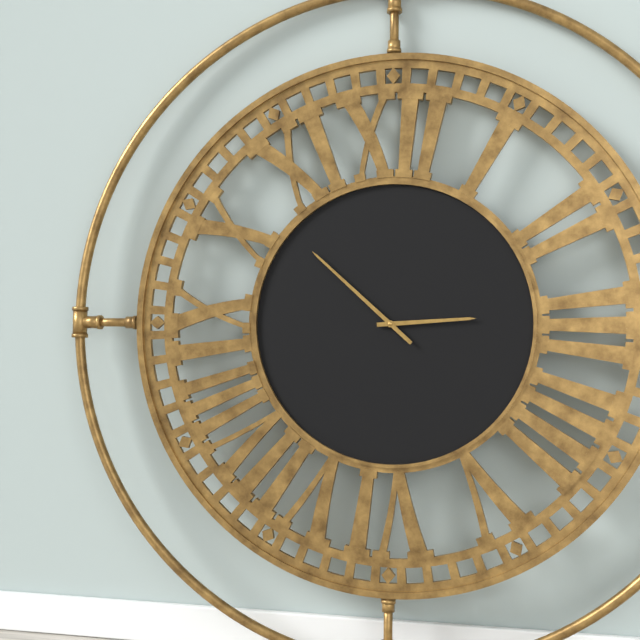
2.52
